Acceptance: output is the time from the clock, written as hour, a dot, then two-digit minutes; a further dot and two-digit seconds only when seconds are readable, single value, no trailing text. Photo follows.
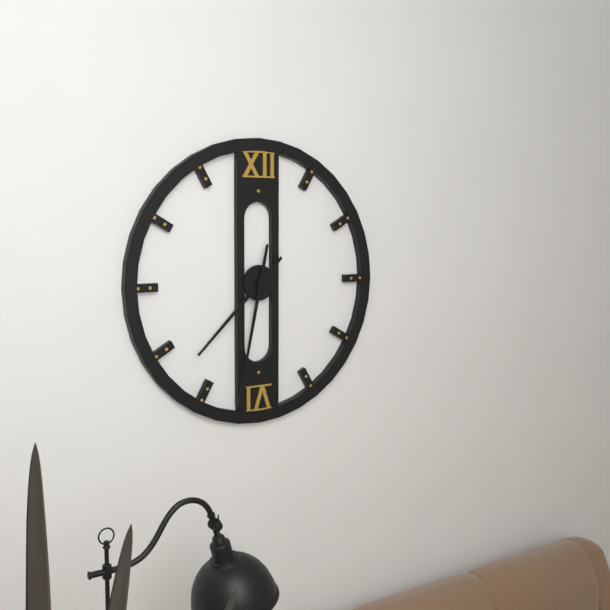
7.32
